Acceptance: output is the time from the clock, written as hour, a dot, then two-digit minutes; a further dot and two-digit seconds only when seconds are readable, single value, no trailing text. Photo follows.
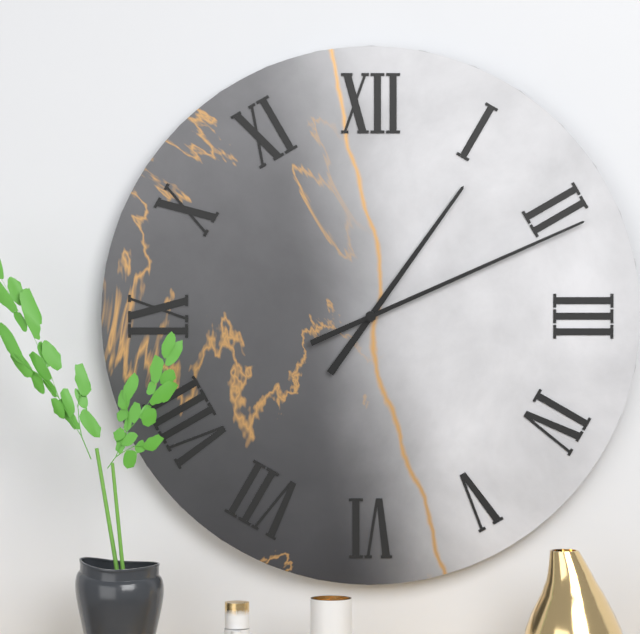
1.11
